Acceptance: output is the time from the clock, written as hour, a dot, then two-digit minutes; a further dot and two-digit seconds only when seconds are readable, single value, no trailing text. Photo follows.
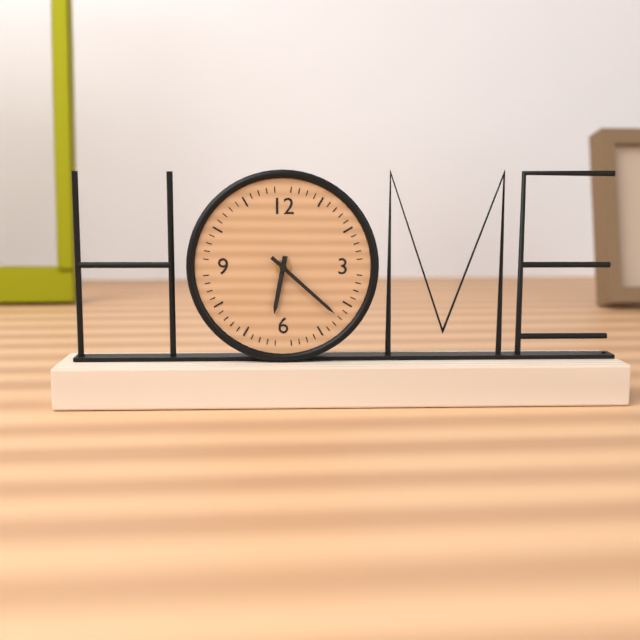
6.22
